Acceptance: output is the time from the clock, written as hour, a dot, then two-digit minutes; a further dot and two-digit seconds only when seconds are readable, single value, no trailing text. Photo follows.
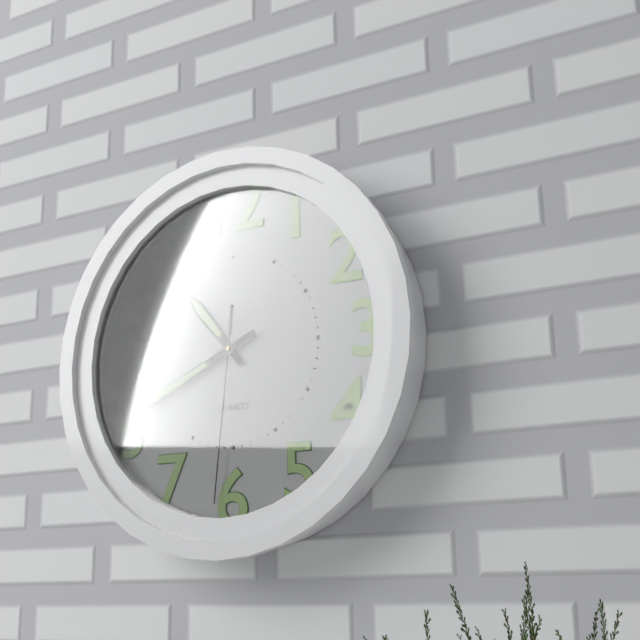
10.41.31
